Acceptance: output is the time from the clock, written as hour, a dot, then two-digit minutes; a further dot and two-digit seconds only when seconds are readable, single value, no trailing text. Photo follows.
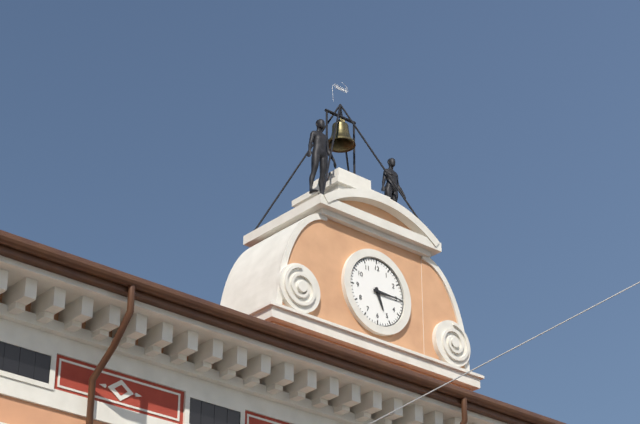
5.15
